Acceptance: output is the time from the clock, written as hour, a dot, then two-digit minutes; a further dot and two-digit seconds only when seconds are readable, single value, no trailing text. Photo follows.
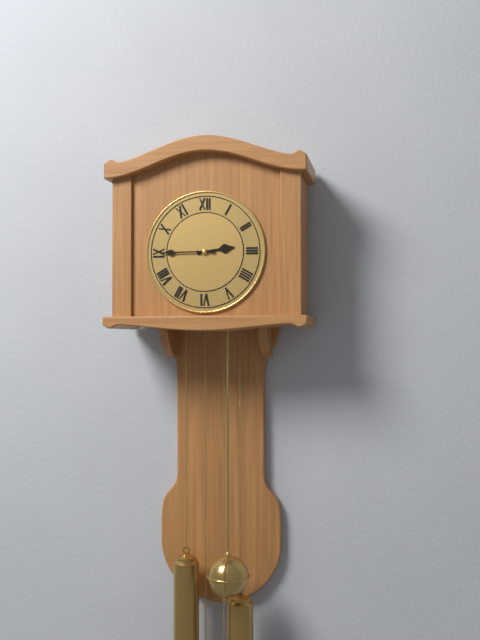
2.45
